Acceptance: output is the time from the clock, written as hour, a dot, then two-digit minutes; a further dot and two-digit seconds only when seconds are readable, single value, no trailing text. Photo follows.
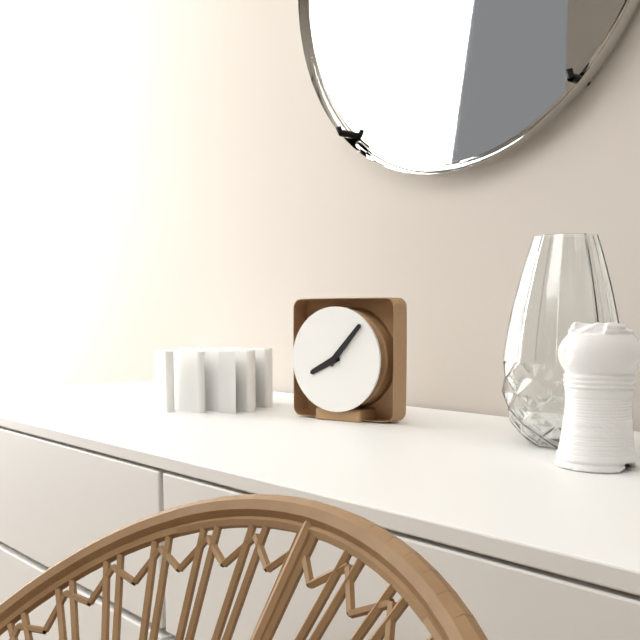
8.07
